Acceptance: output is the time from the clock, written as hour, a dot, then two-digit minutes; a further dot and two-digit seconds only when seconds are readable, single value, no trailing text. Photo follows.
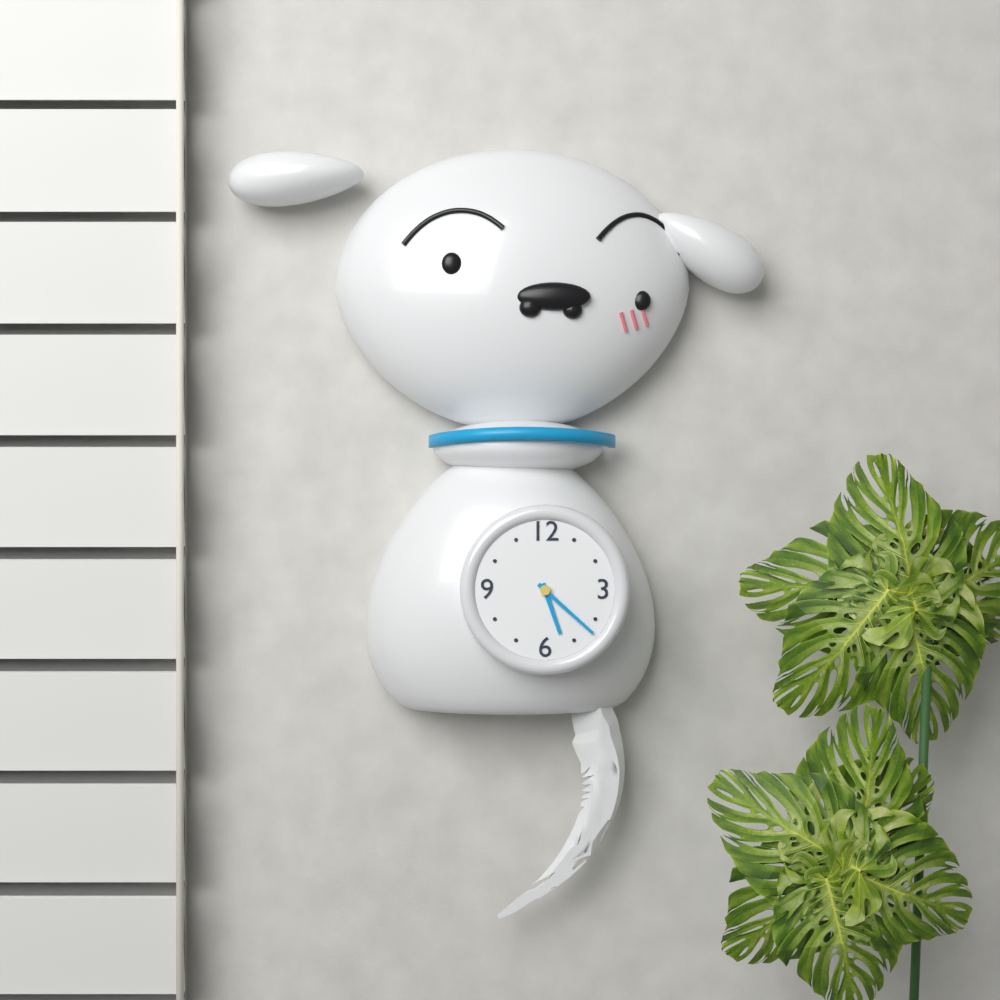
5.22
